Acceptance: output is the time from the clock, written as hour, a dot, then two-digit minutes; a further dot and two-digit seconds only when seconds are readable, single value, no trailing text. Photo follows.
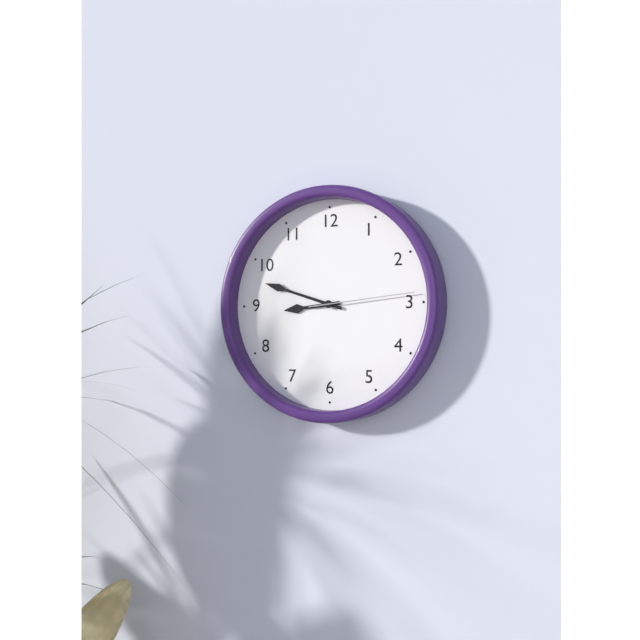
8.48.14
